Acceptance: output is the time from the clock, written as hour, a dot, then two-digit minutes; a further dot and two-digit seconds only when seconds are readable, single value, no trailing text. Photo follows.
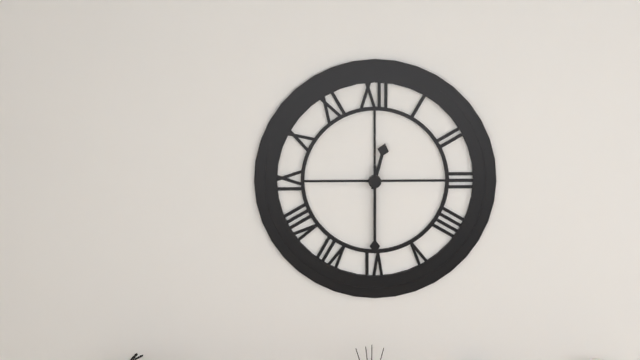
12.30
